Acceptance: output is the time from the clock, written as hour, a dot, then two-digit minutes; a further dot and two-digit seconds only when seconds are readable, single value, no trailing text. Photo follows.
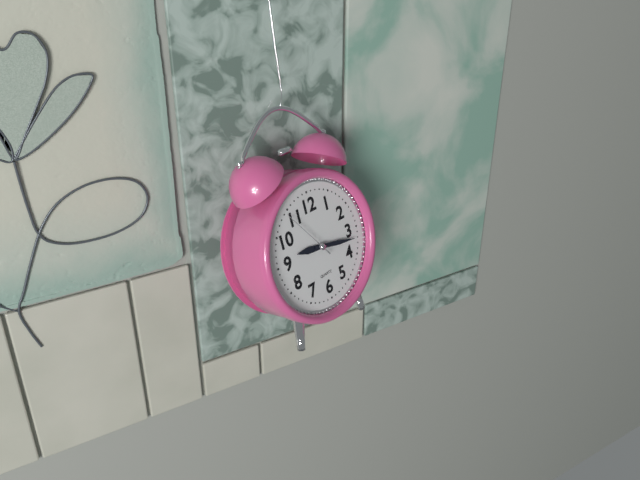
9.17.54
